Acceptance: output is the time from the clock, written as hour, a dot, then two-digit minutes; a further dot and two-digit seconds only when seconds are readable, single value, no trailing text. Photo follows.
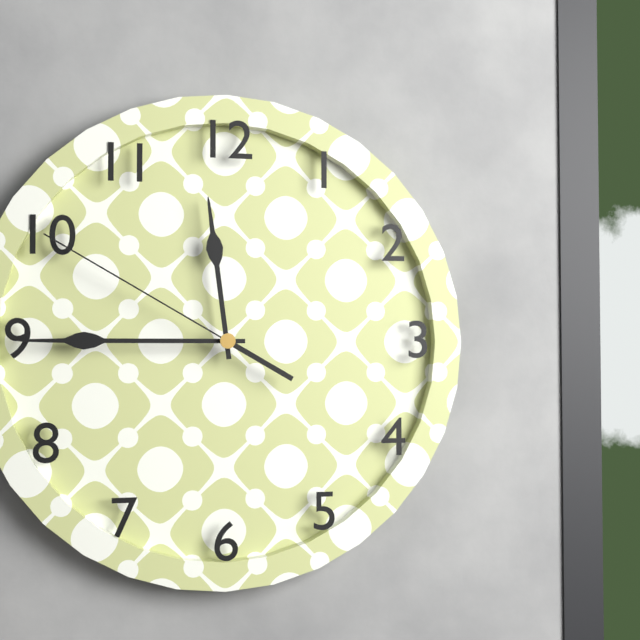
11.45.50
